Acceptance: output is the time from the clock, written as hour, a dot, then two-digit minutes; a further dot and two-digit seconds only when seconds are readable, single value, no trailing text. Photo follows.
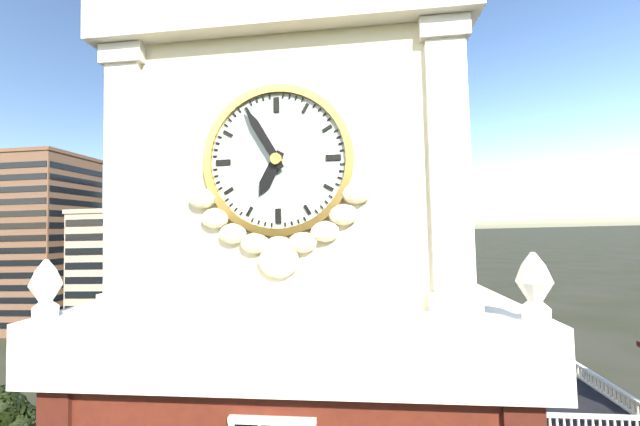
6.55
